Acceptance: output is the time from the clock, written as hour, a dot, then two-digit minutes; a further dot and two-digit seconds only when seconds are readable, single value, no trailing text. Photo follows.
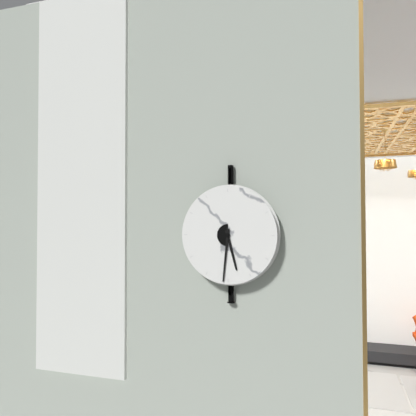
5.31
